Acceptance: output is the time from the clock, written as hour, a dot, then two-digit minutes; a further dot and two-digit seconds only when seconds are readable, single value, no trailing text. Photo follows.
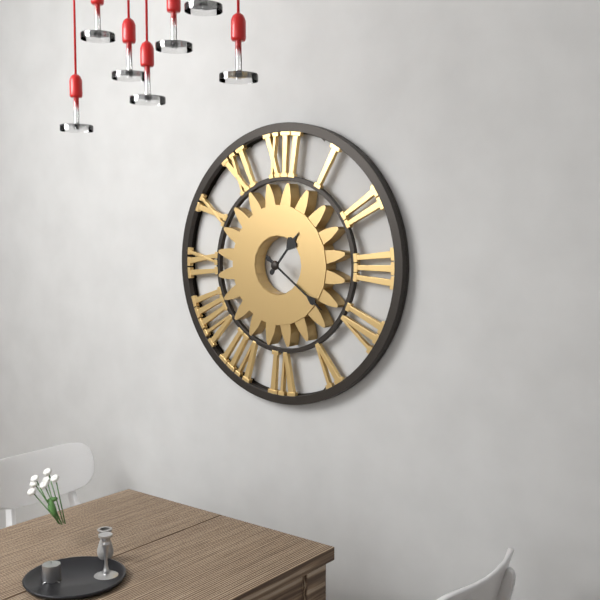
1.21
